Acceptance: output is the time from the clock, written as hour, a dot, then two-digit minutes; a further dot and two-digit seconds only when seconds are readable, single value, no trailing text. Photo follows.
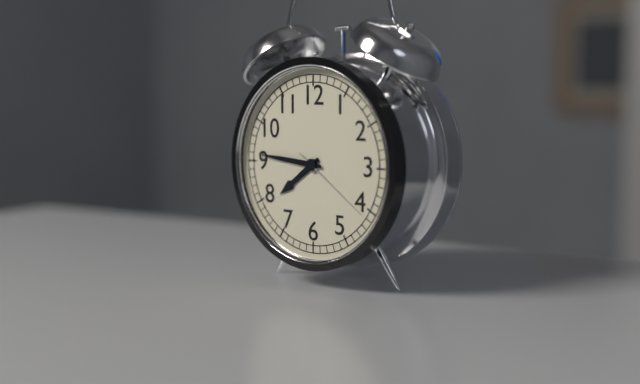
7.46.21
